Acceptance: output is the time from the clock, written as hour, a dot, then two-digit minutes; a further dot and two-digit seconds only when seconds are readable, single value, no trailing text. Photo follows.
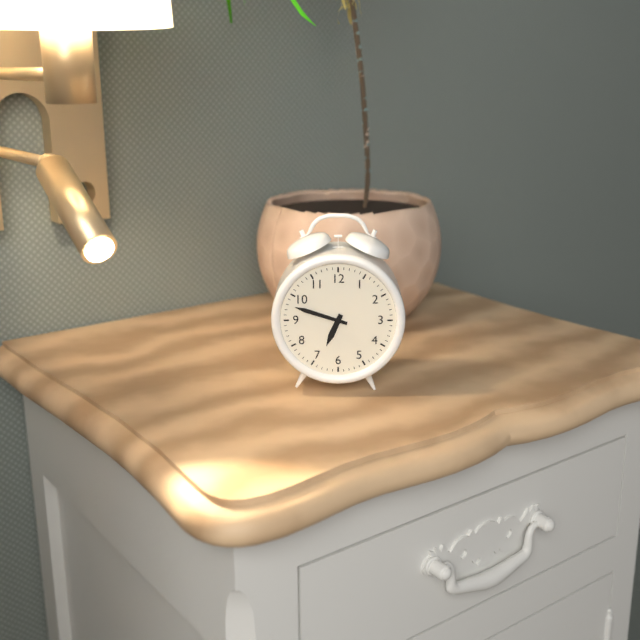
6.48
